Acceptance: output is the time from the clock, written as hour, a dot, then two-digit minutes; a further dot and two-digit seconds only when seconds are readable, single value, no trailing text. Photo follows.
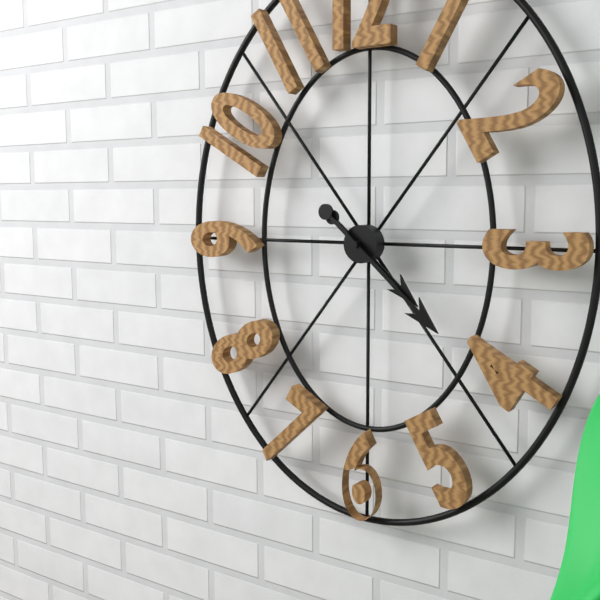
4.22
